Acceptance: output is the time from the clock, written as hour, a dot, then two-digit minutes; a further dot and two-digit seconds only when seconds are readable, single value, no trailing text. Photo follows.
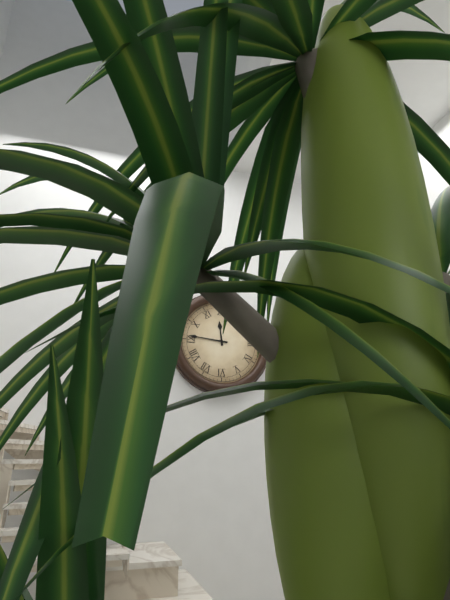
11.46
